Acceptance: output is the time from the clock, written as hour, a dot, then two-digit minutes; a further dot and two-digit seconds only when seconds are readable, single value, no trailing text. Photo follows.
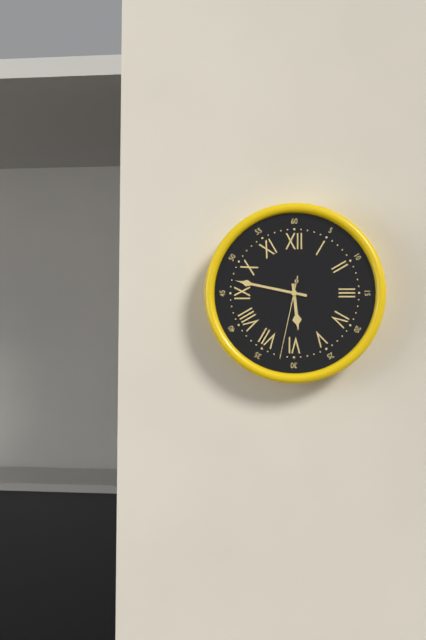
5.47.32
